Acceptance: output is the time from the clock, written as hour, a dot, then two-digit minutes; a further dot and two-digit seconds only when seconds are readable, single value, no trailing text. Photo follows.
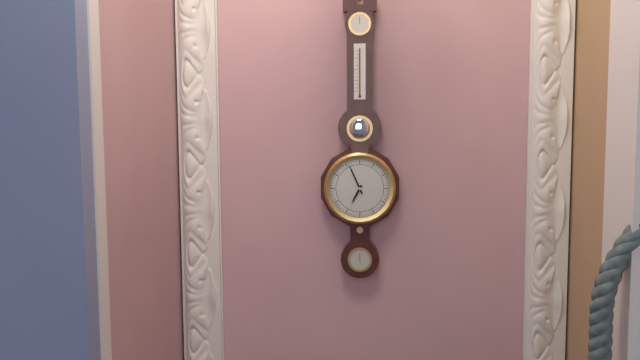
6.56
